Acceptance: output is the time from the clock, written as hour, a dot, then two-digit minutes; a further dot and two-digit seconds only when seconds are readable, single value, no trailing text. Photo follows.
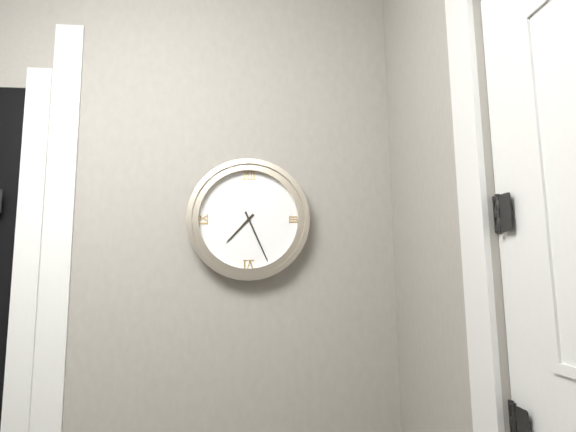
7.26
